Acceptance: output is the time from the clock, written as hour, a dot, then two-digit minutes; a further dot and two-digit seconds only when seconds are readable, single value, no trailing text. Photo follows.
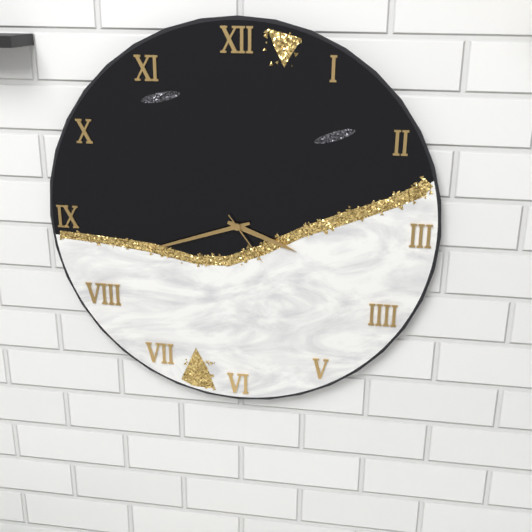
3.42.24
